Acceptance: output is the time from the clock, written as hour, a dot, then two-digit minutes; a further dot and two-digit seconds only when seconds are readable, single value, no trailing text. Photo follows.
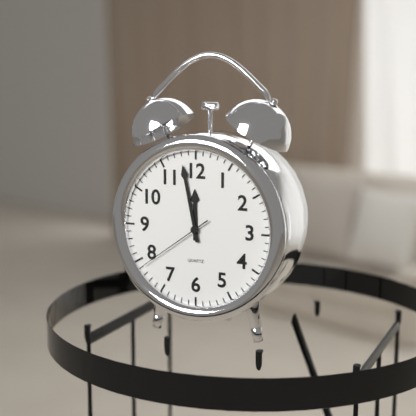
11.58.39
